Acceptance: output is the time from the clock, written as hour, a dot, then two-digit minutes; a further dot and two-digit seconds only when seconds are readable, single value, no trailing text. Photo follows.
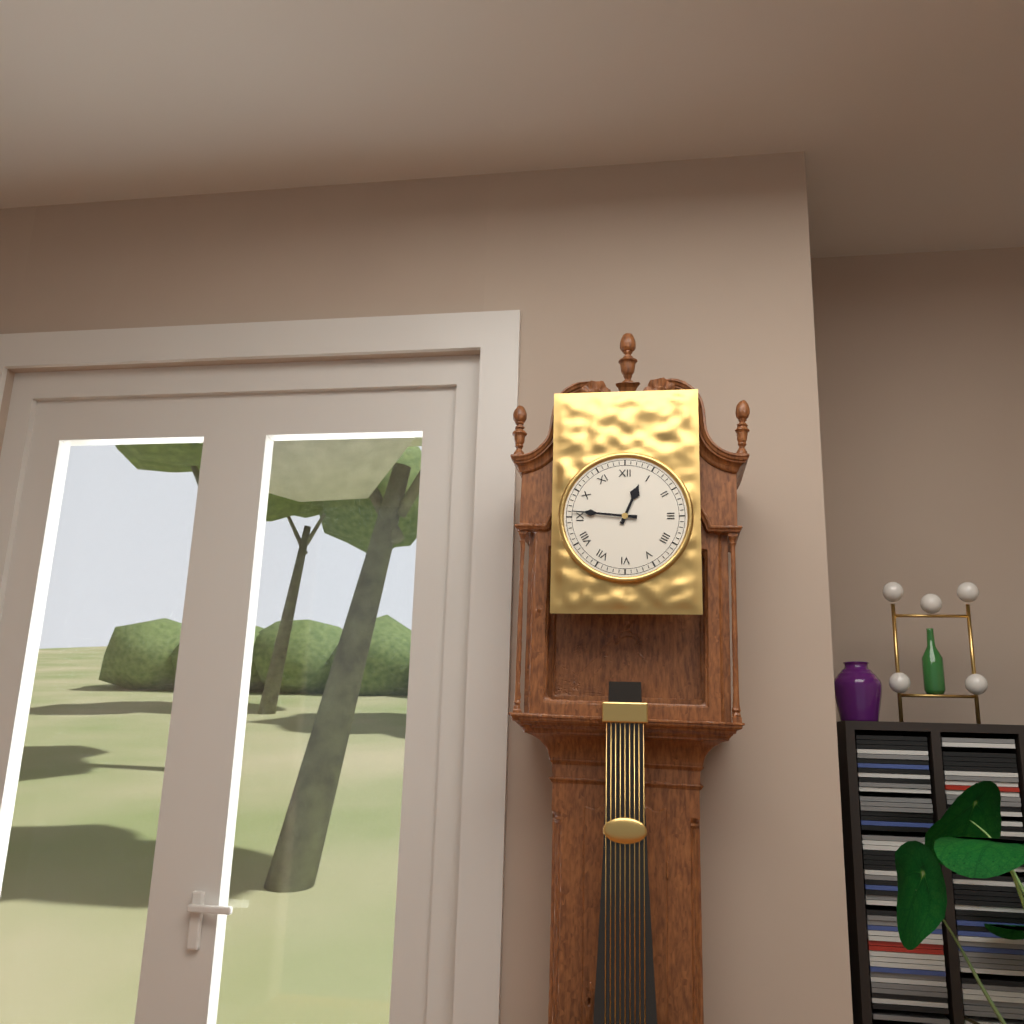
12.46
